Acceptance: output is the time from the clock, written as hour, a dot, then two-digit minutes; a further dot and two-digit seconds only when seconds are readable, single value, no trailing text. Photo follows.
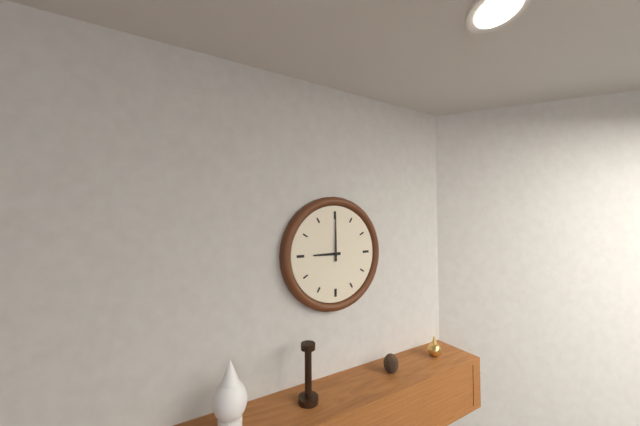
9.00
